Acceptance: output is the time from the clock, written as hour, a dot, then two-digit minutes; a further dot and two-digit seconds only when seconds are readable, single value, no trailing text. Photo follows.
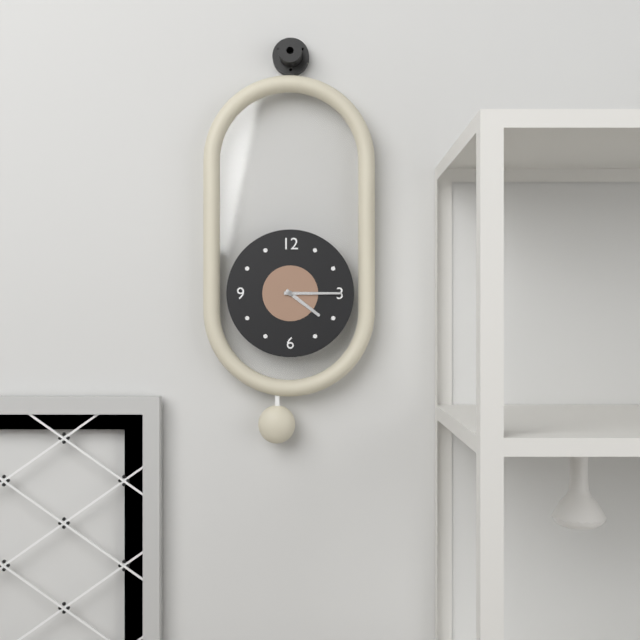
4.15
